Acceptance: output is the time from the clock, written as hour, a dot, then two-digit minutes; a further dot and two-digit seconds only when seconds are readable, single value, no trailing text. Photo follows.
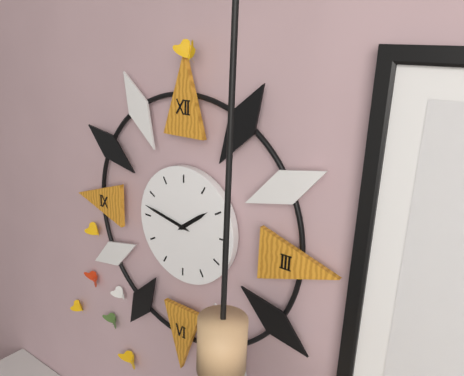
1.47
